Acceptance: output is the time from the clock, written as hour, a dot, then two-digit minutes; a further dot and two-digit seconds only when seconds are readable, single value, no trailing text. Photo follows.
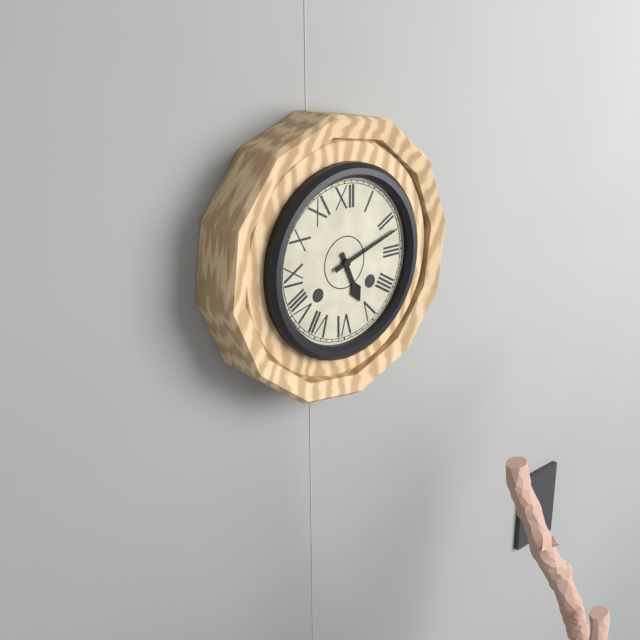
5.12
